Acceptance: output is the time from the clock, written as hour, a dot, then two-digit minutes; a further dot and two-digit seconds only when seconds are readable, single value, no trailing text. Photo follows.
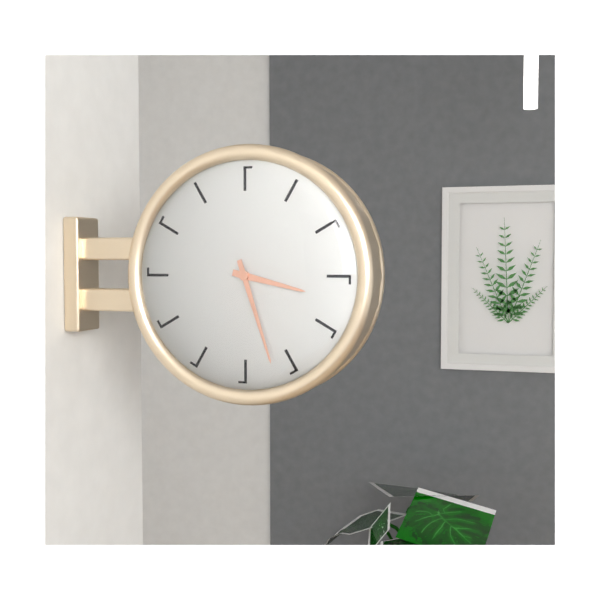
3.27
